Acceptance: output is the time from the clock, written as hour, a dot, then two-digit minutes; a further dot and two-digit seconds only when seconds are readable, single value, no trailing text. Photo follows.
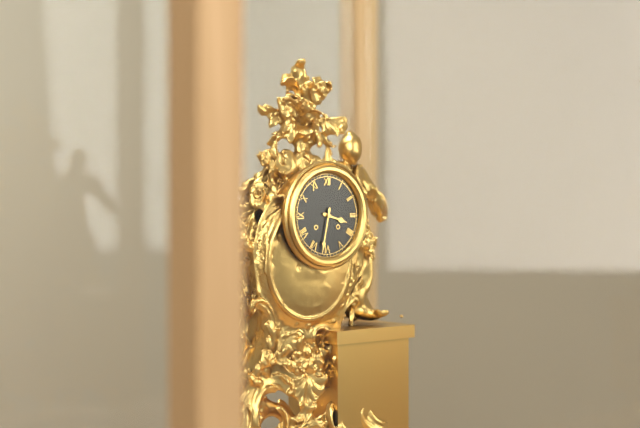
3.32
